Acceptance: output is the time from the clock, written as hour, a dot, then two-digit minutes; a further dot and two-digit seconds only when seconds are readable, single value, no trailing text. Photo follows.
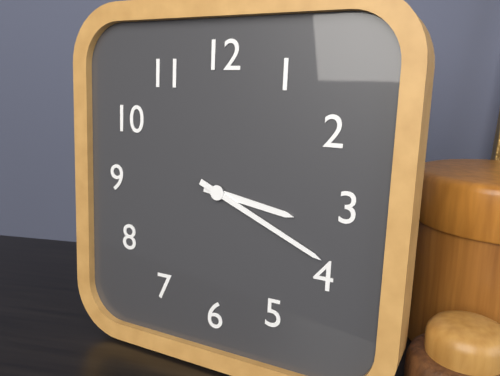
3.19
